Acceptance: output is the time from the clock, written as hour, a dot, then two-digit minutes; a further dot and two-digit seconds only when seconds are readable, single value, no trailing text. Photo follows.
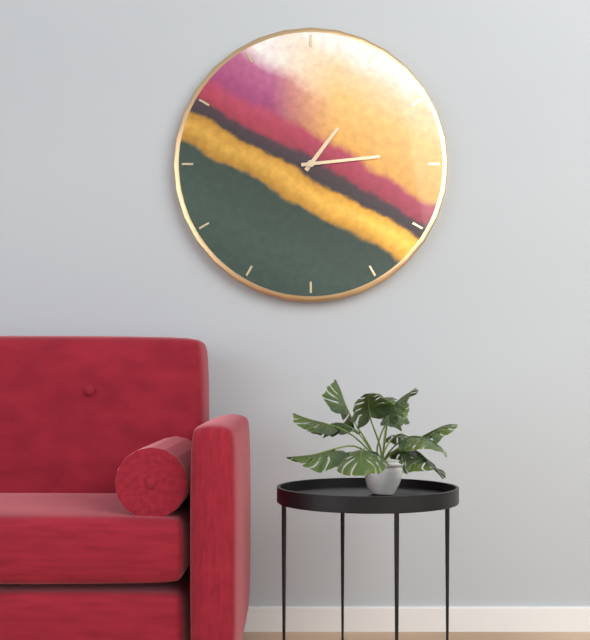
1.14
